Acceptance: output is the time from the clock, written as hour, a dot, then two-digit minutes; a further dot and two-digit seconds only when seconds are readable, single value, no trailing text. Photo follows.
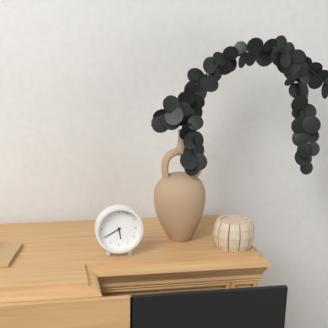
5.40
